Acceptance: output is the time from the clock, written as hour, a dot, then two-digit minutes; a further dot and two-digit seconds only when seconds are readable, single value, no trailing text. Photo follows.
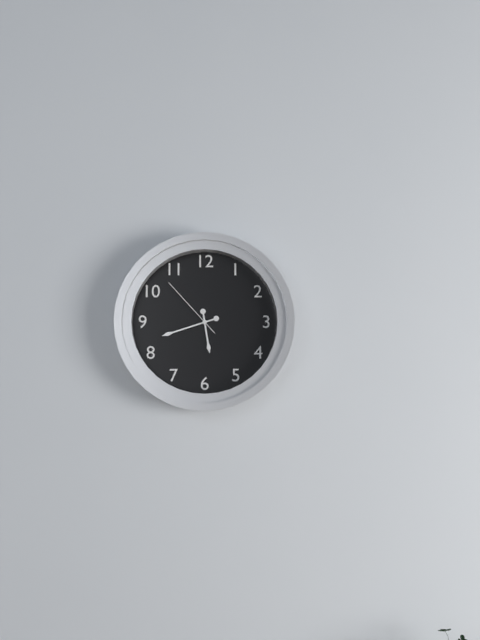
5.42.53
